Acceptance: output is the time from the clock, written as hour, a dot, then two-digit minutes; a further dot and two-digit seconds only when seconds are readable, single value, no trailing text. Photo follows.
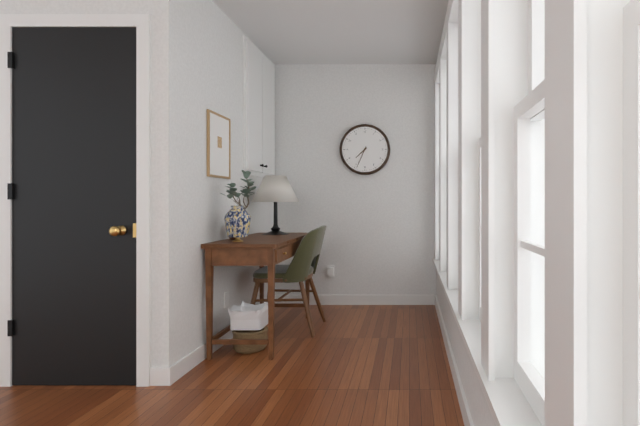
7.34
